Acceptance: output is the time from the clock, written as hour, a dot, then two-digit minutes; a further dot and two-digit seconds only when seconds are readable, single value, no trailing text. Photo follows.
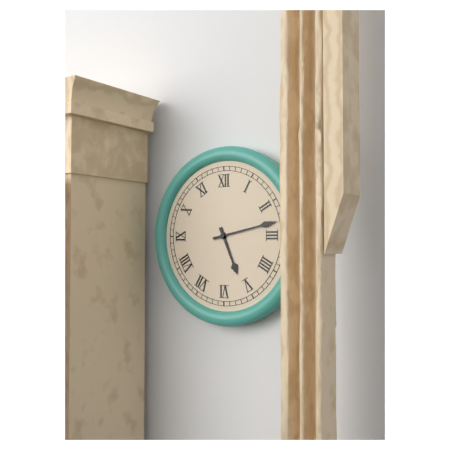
5.13
